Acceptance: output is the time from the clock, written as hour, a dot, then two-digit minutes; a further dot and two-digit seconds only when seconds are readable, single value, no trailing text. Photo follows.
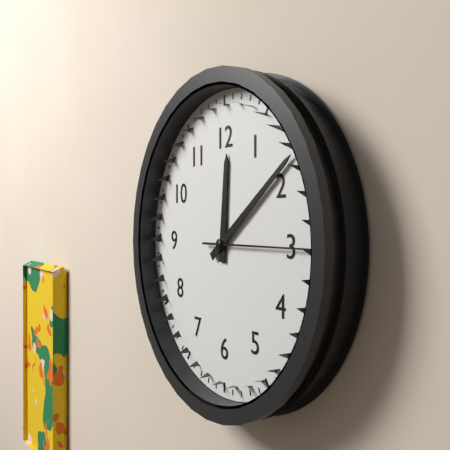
12.09.15
